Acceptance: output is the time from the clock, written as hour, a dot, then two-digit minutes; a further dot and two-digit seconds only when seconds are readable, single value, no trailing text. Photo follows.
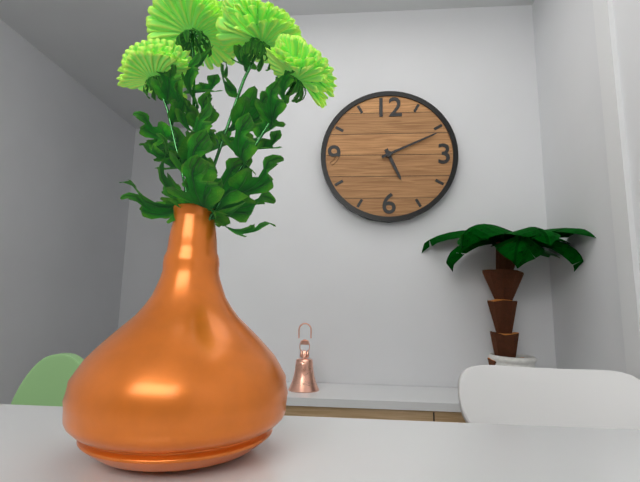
5.11
